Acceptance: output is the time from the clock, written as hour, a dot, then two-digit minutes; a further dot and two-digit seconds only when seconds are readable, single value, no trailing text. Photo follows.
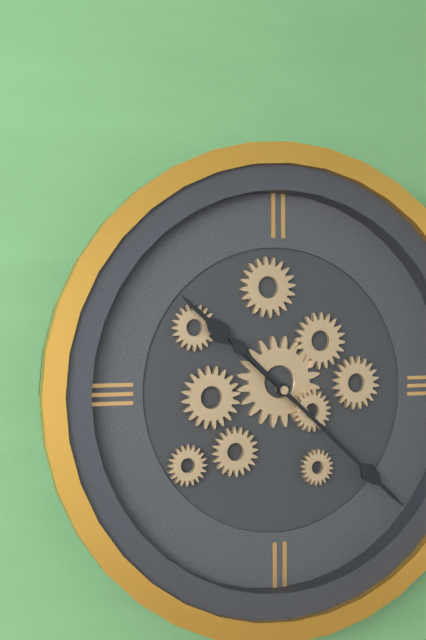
10.22
